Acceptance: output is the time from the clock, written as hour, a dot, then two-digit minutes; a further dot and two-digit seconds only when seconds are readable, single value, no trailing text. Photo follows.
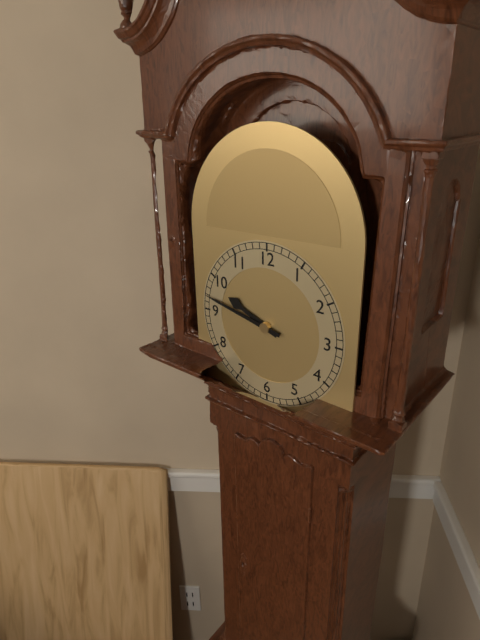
9.47
